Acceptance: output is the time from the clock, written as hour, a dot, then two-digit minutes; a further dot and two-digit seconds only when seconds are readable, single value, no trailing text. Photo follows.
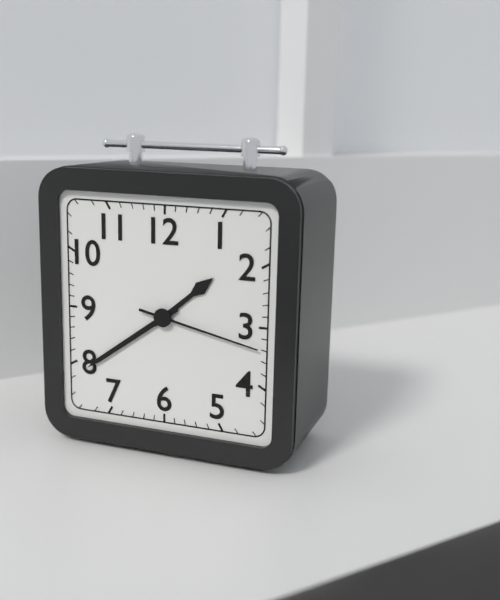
1.39.17
